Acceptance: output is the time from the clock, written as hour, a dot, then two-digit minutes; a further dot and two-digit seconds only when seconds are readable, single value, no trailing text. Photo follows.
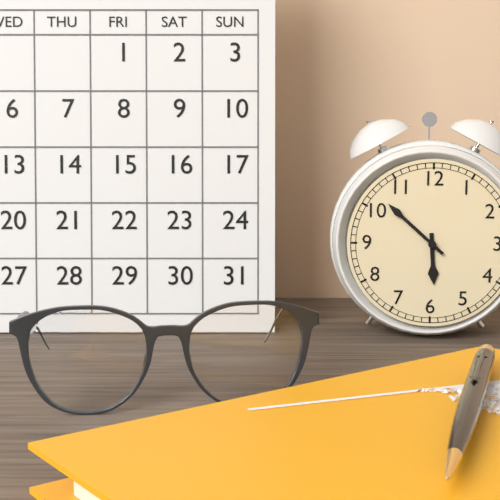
5.52
